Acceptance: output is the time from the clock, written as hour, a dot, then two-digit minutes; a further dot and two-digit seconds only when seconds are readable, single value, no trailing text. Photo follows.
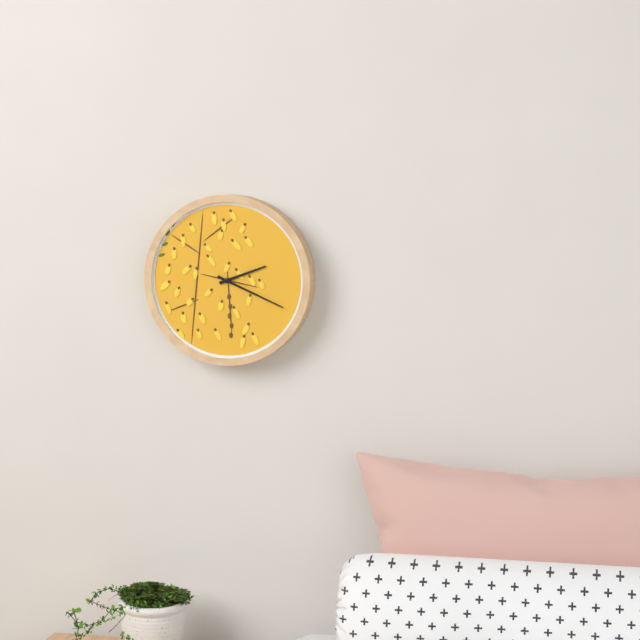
2.19
